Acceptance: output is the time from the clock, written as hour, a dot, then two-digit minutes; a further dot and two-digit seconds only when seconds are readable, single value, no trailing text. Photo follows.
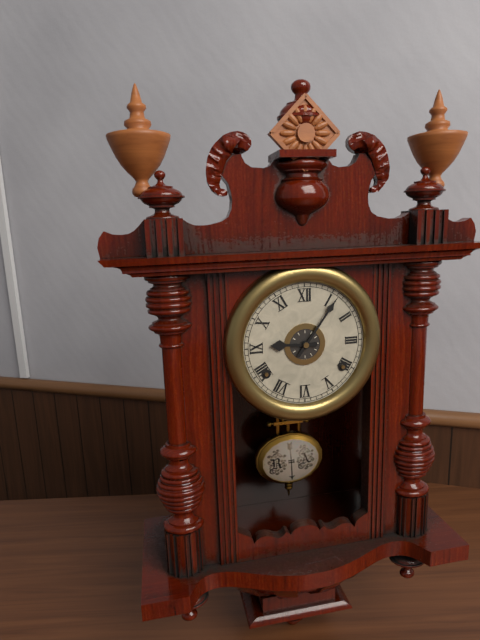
9.06
